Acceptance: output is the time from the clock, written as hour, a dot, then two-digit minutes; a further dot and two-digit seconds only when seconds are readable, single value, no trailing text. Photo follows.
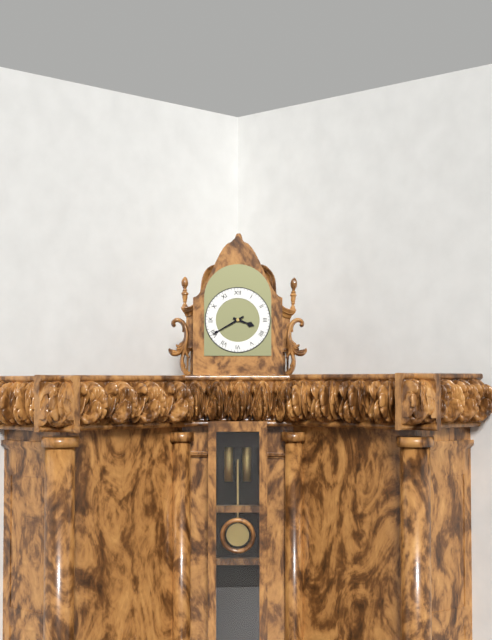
3.40
